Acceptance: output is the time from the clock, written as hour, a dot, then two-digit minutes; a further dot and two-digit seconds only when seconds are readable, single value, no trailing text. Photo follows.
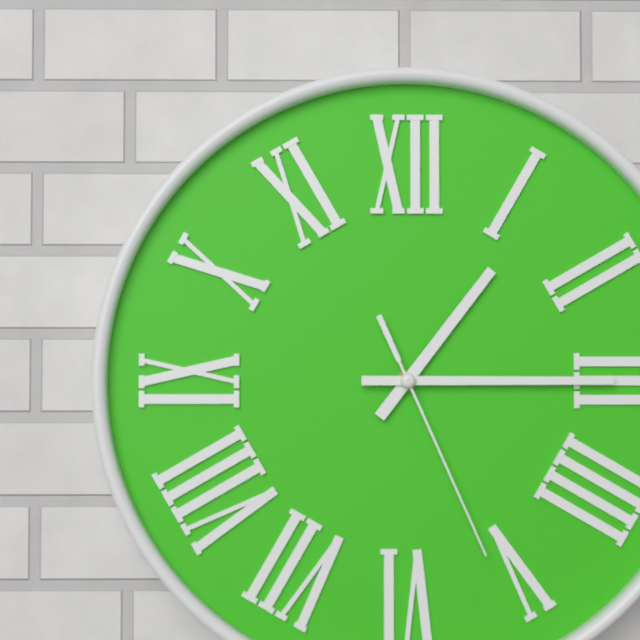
1.15.26
